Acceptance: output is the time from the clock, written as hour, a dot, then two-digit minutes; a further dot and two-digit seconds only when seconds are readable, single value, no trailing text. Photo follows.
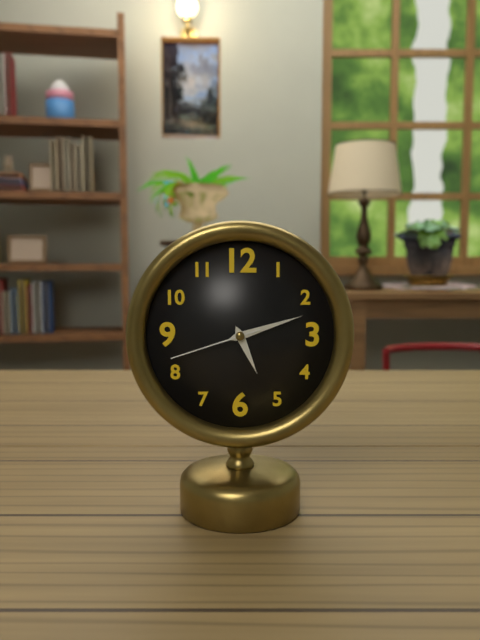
5.12.42
